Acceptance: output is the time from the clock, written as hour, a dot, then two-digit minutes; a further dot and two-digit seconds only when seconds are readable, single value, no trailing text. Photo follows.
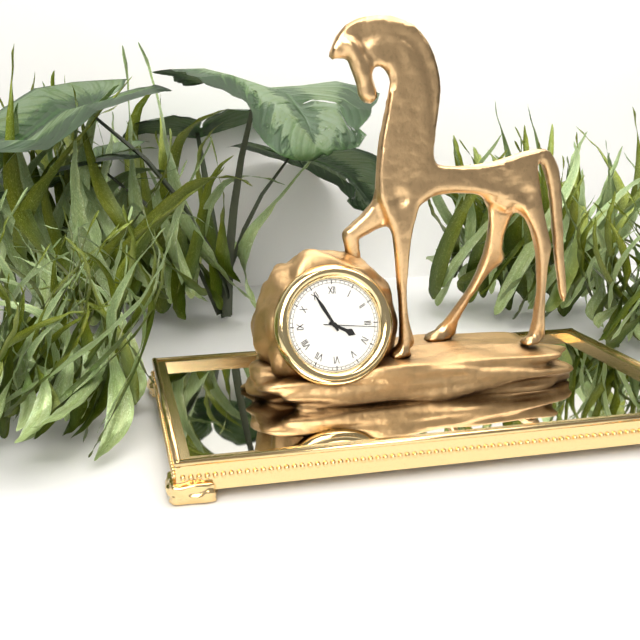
3.55.16
